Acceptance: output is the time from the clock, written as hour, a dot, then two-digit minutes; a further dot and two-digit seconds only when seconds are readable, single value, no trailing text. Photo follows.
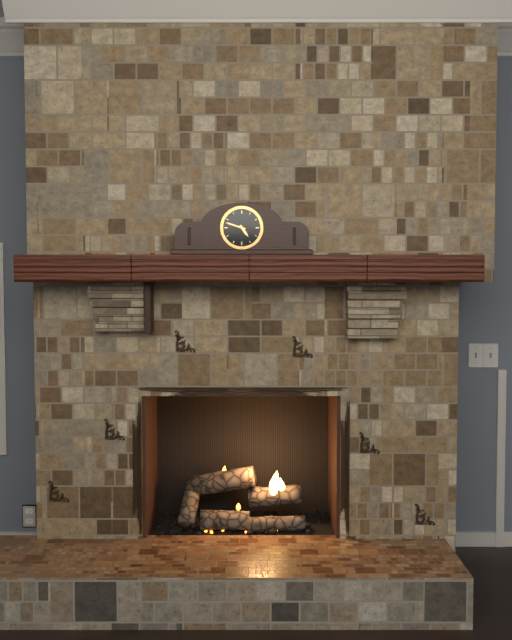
4.48
